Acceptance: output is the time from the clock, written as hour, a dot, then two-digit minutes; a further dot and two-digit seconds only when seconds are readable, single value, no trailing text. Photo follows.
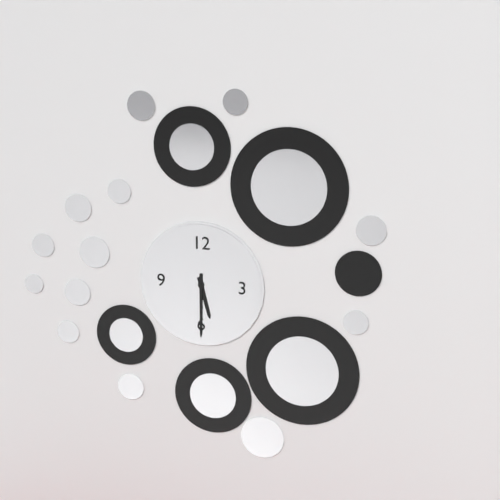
5.30
